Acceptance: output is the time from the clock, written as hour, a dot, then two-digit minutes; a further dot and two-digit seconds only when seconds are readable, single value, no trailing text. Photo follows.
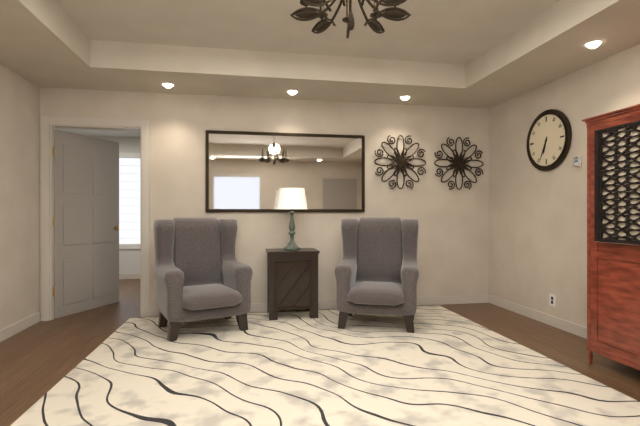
6.34
